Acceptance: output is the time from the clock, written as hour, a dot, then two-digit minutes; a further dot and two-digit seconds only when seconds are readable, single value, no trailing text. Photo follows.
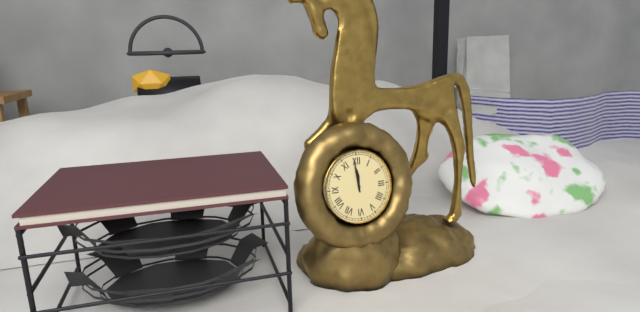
11.59
